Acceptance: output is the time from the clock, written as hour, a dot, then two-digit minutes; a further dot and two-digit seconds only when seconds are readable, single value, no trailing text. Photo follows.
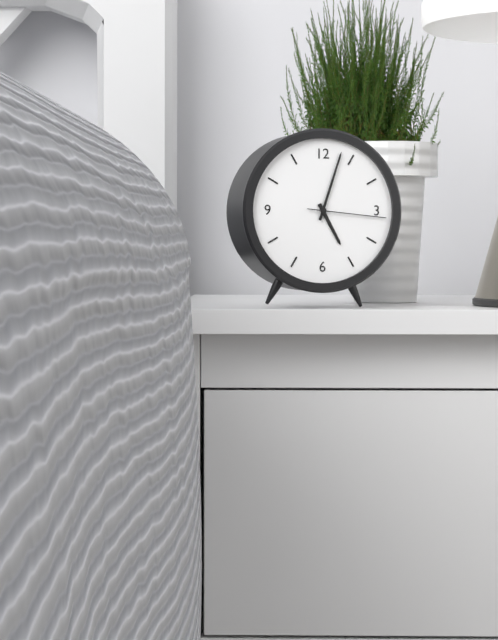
5.03.16
